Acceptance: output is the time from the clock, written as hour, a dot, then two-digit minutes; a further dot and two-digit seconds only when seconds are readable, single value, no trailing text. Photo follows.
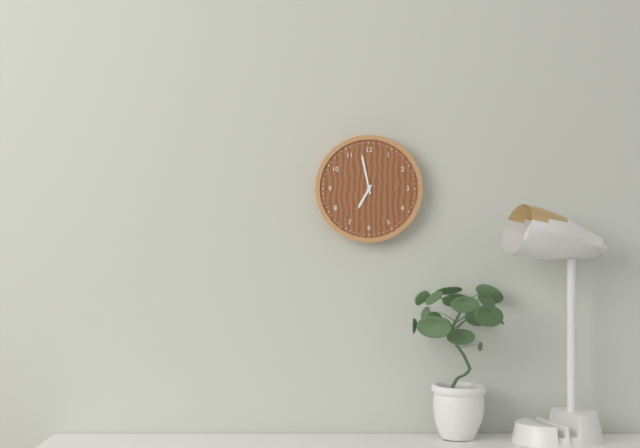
6.58
